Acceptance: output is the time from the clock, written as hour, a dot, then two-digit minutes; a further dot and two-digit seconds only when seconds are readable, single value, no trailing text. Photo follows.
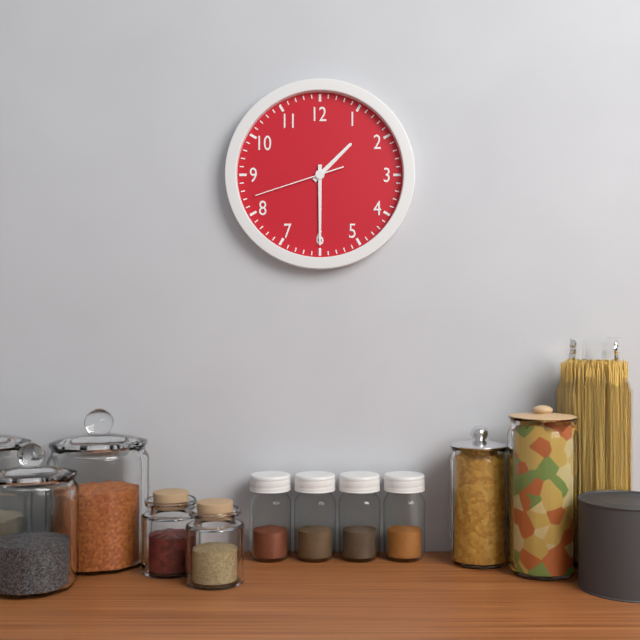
1.30.42
